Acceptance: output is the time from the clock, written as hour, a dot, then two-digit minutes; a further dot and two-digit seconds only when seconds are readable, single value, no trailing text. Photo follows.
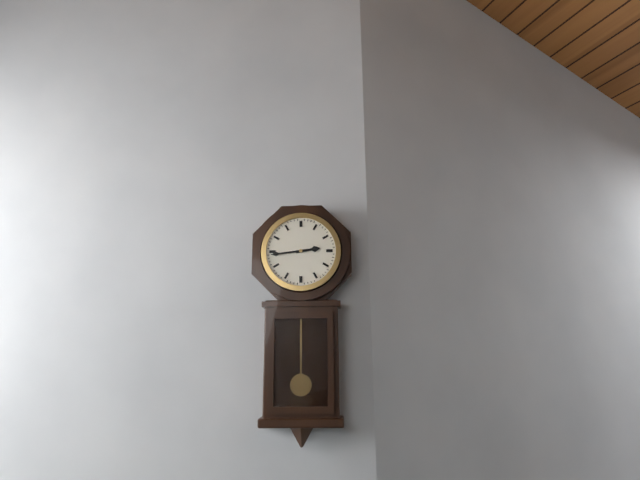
2.44
